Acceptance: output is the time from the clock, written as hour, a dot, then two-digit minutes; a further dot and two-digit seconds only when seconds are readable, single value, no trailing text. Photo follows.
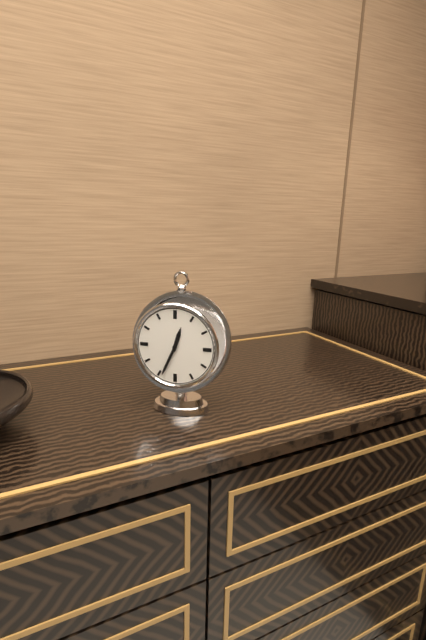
12.34
